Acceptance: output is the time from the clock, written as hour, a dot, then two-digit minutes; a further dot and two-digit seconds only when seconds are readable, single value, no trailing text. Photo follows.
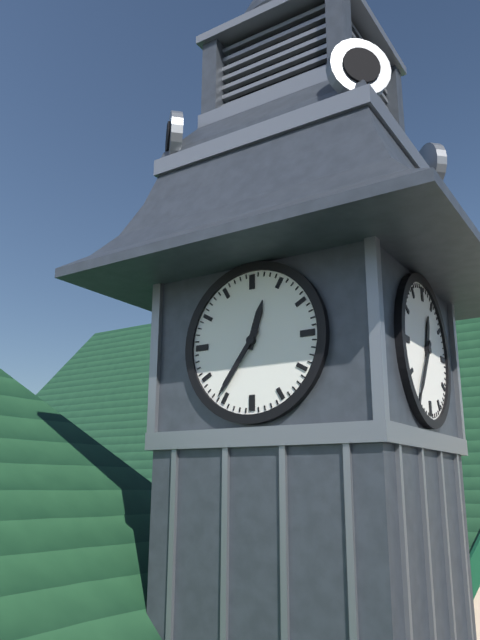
12.36
